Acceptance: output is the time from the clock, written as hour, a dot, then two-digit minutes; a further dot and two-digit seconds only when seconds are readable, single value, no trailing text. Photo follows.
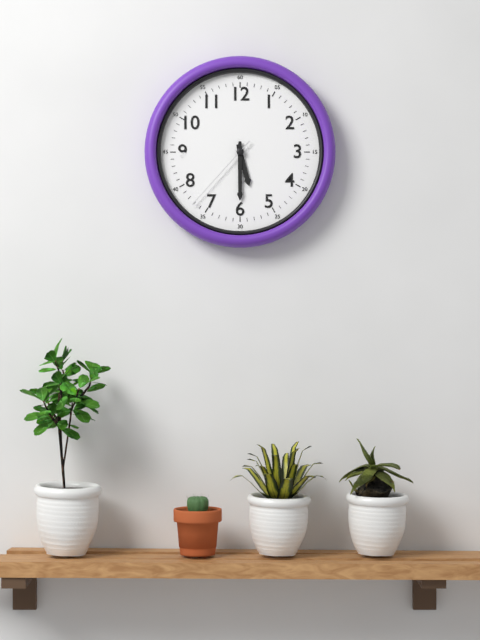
5.30.37
